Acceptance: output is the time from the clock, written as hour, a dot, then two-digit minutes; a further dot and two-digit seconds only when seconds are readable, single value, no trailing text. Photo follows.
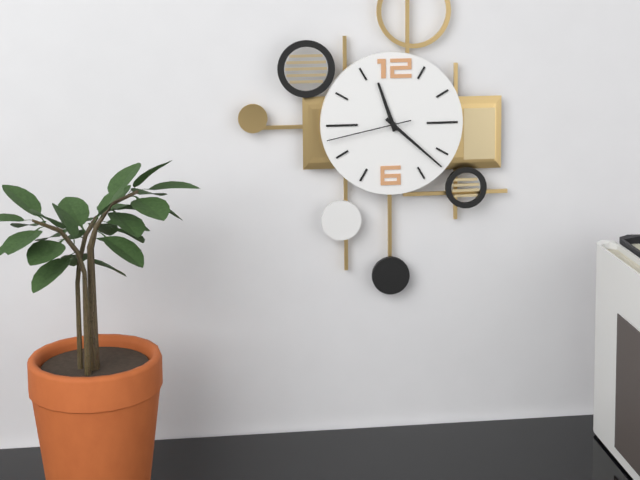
11.22.43
